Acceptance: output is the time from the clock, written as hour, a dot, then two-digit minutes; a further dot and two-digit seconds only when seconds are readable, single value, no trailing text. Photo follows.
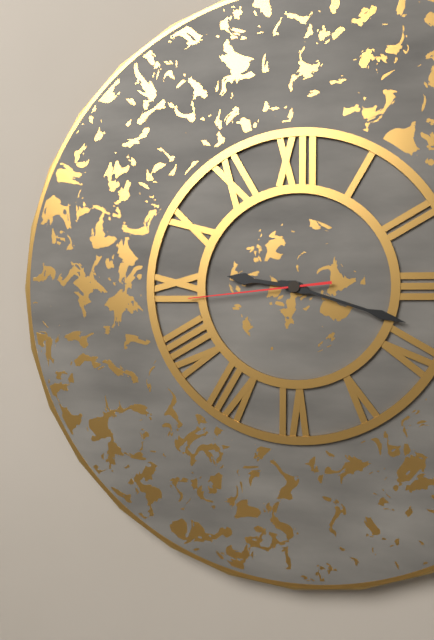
9.18.44
